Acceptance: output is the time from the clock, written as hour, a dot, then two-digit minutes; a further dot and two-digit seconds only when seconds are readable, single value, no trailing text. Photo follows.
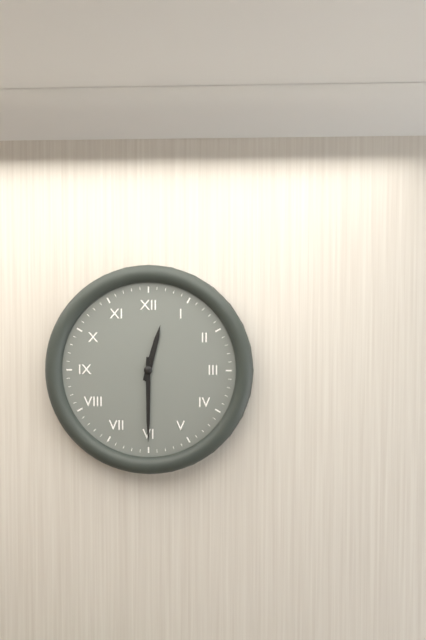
12.30
